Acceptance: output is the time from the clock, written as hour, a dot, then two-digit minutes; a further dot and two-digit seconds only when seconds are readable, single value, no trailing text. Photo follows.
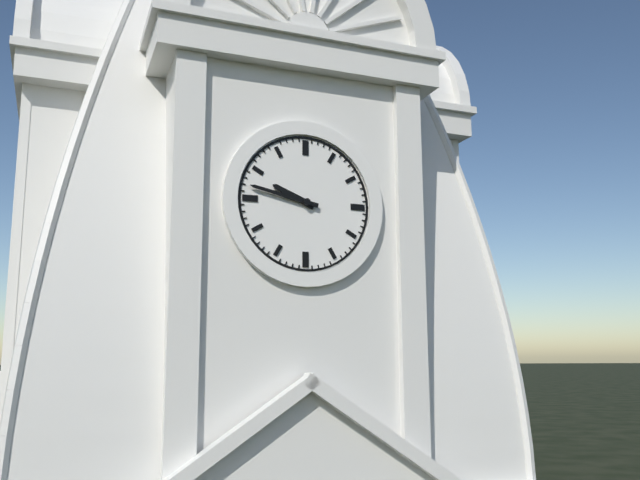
9.47
